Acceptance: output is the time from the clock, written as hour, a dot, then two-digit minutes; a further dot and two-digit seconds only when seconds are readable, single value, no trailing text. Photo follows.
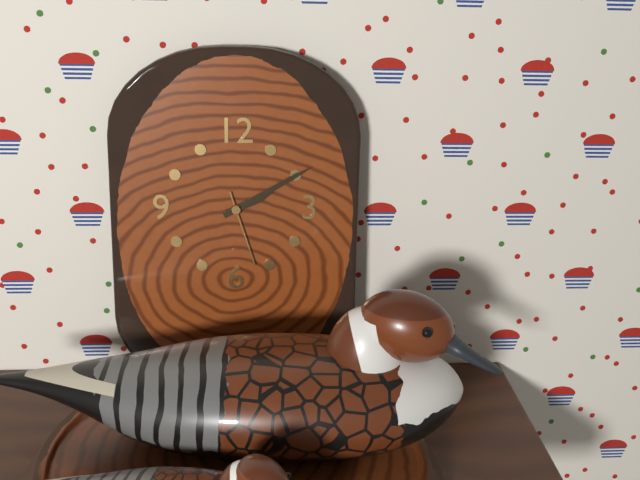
2.10.27
